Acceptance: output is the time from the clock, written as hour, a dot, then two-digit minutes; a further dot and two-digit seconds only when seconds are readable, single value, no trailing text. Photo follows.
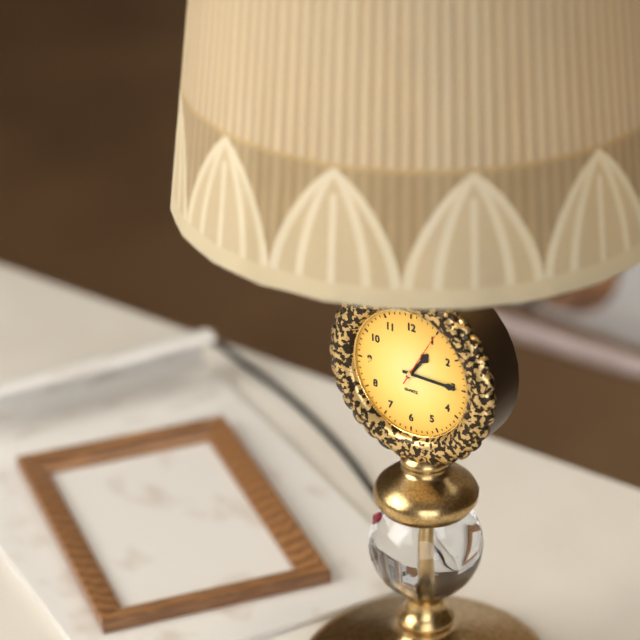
1.15.05
